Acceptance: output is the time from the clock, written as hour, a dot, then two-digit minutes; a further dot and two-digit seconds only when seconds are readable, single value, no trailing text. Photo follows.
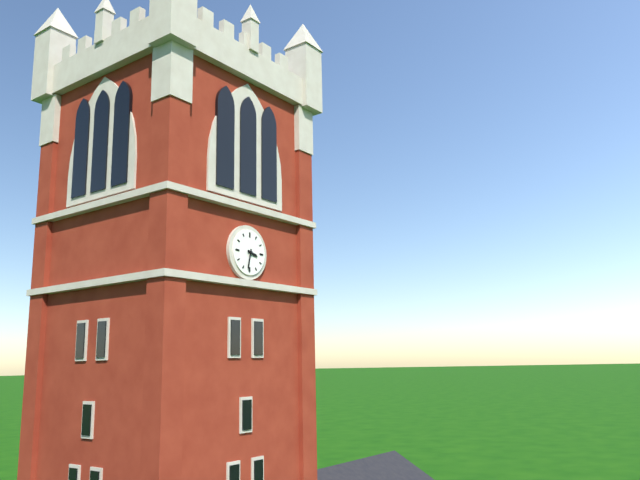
3.32
